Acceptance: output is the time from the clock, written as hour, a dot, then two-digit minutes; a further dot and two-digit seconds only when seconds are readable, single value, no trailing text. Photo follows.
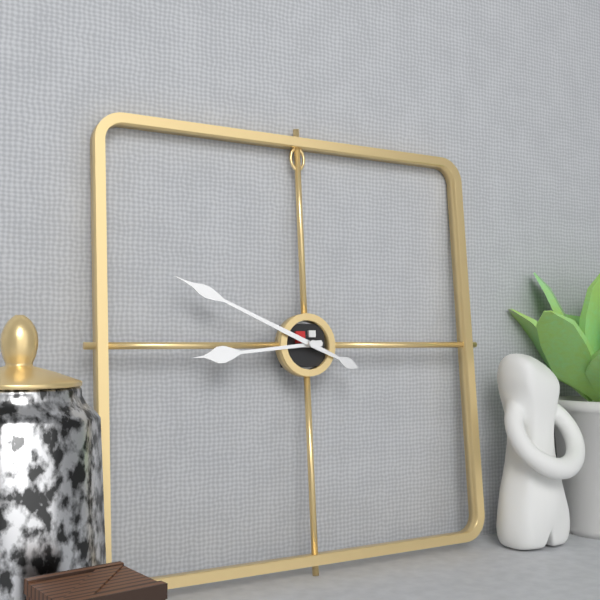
8.49
